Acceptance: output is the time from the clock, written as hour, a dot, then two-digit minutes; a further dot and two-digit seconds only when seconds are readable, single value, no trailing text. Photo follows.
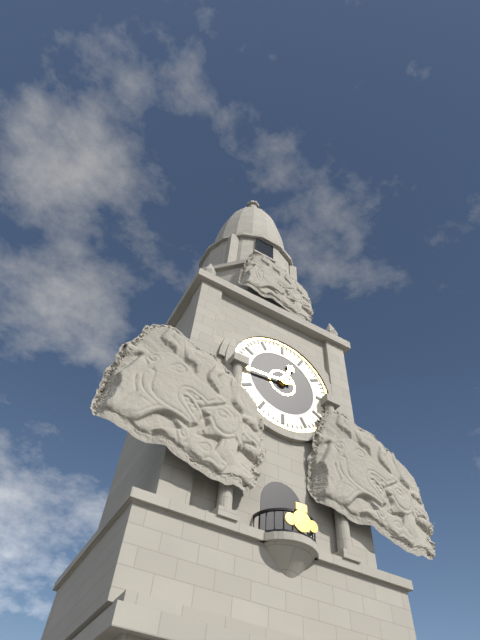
12.44
